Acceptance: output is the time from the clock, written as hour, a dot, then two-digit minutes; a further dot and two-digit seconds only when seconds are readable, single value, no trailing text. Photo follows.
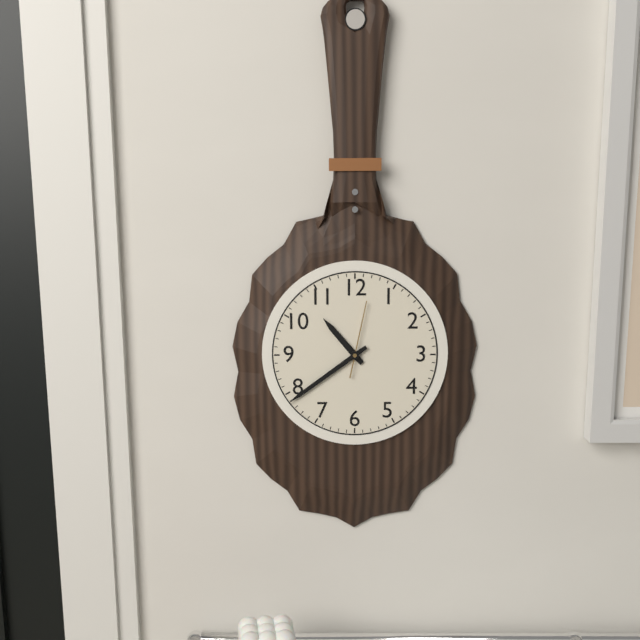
10.39.02
